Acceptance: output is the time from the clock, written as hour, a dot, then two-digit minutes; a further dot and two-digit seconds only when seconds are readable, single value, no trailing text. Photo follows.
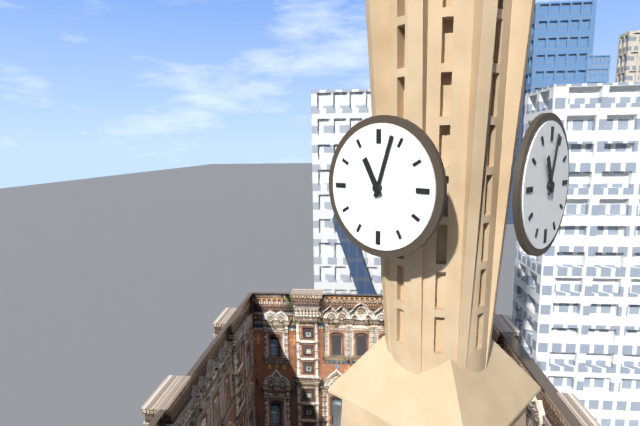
11.03
